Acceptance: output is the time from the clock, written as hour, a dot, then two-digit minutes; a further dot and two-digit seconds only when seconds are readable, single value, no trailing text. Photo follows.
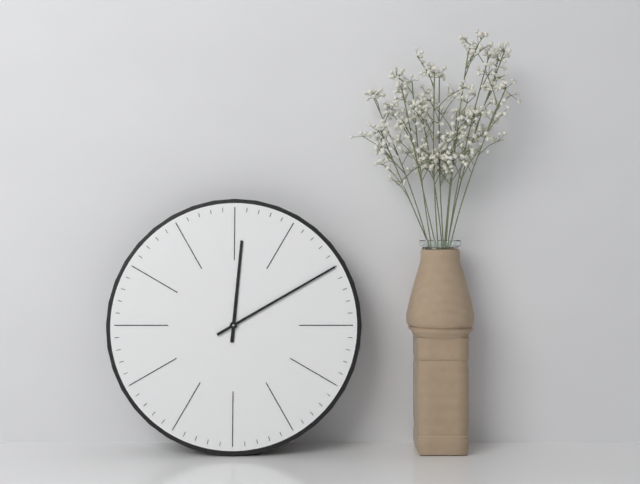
12.10
